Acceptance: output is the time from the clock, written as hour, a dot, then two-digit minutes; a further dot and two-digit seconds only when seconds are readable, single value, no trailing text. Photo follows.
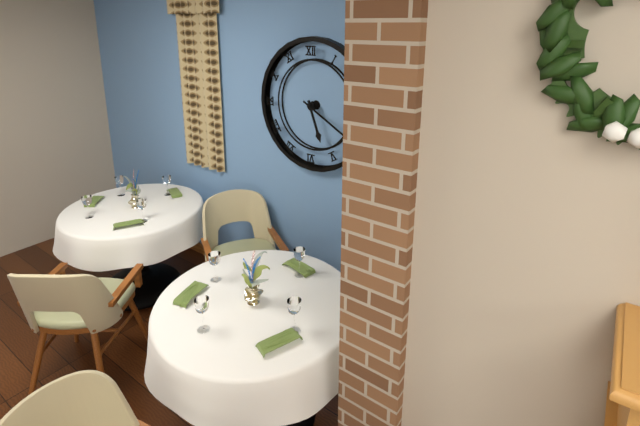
5.20
